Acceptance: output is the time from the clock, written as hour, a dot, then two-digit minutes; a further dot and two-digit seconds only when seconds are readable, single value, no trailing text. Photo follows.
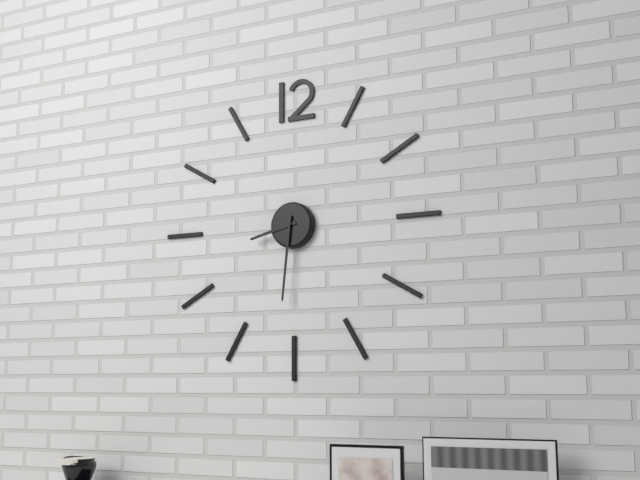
8.31
